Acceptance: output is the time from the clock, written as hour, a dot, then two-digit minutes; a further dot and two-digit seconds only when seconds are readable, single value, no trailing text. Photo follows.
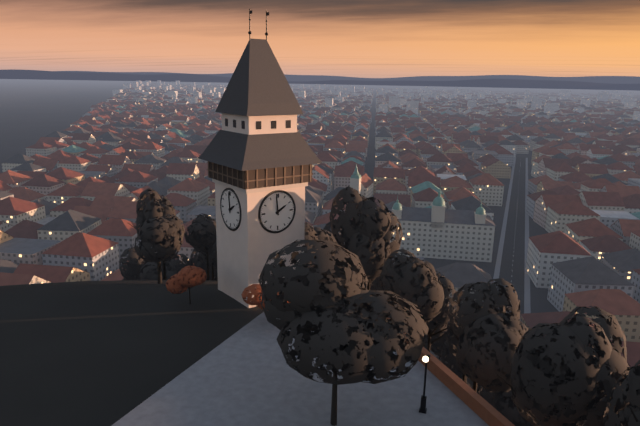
1.59
